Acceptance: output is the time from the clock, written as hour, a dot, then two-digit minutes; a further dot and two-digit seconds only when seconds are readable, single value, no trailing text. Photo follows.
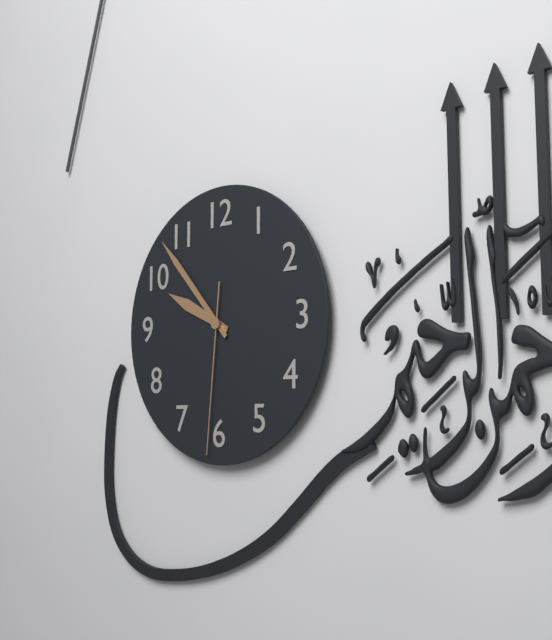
9.53.31
